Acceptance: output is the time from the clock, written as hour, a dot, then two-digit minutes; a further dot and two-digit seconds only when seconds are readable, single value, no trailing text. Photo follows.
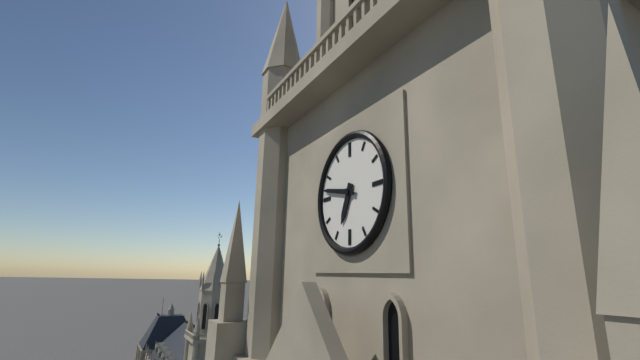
6.47
